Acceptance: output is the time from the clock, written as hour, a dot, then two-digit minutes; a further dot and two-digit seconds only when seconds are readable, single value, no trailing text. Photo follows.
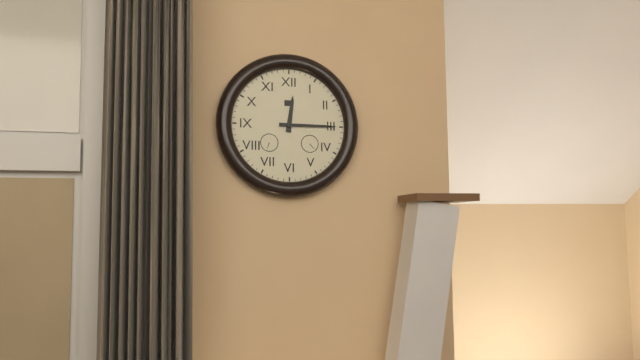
12.15
